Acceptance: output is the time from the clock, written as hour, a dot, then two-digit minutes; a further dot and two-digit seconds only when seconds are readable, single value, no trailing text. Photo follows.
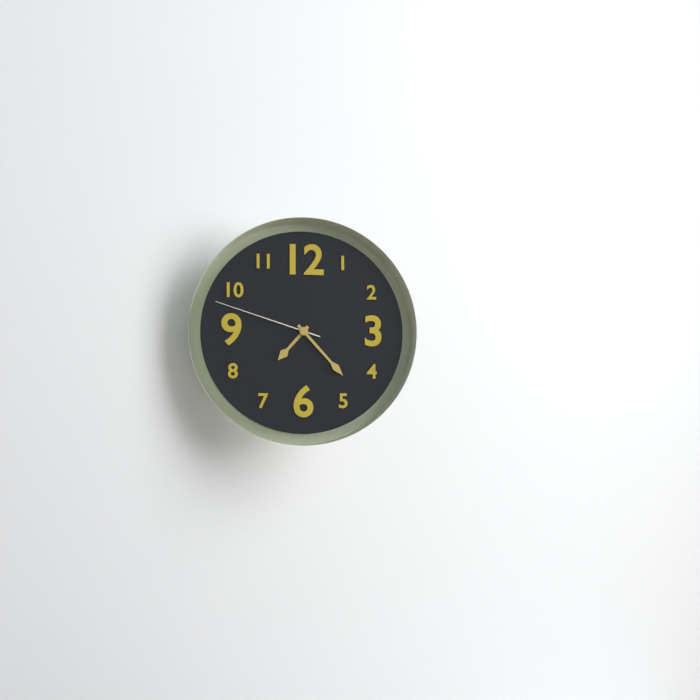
7.23.48
